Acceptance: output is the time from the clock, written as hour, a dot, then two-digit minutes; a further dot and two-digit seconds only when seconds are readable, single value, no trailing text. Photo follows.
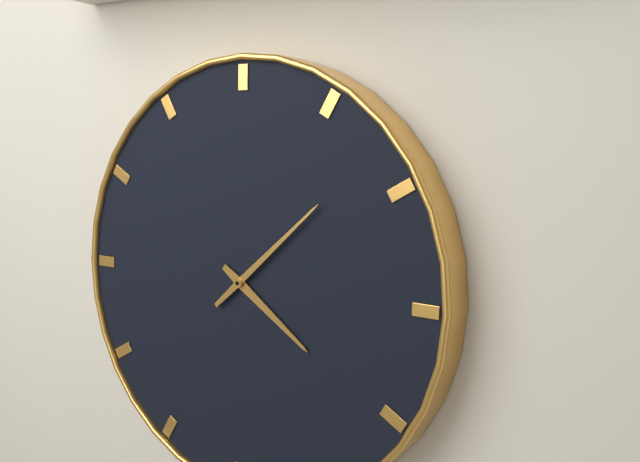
4.08
